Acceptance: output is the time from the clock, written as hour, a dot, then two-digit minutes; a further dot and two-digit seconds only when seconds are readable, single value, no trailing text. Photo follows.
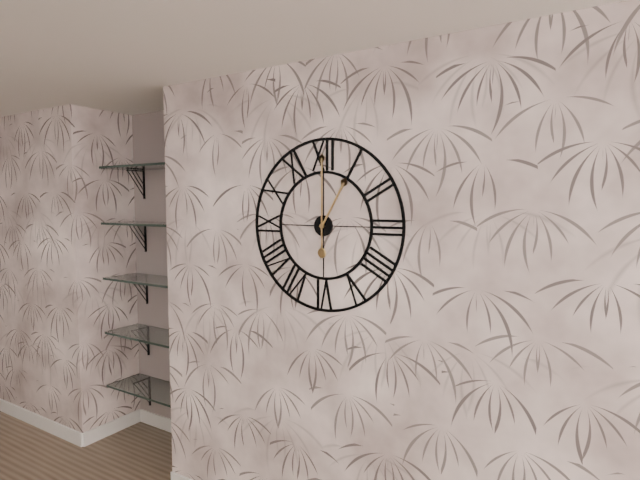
1.00
